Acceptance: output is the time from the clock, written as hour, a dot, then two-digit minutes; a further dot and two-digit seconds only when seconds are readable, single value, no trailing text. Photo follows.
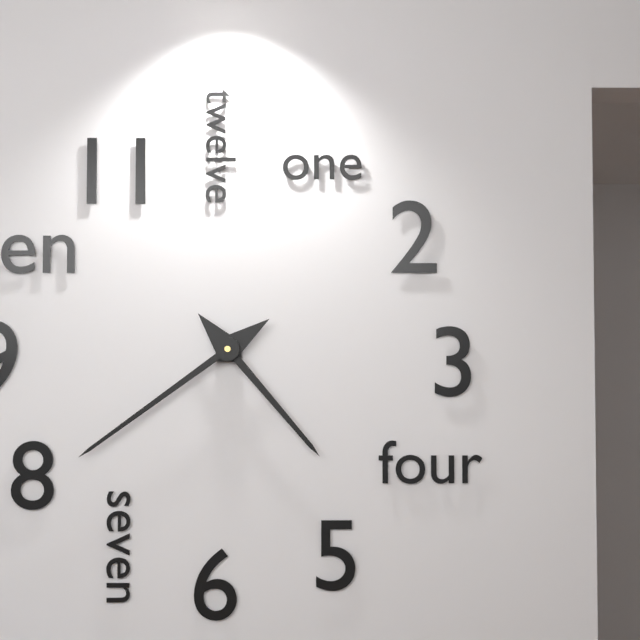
4.39
